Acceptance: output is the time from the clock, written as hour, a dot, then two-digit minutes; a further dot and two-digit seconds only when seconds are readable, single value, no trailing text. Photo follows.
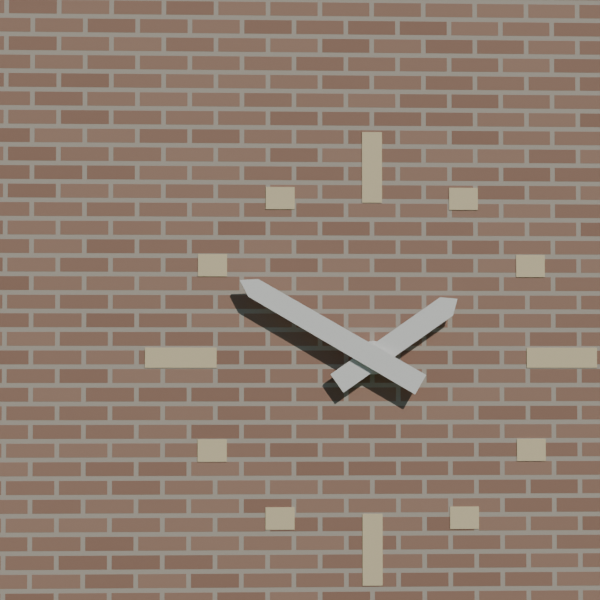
1.50
